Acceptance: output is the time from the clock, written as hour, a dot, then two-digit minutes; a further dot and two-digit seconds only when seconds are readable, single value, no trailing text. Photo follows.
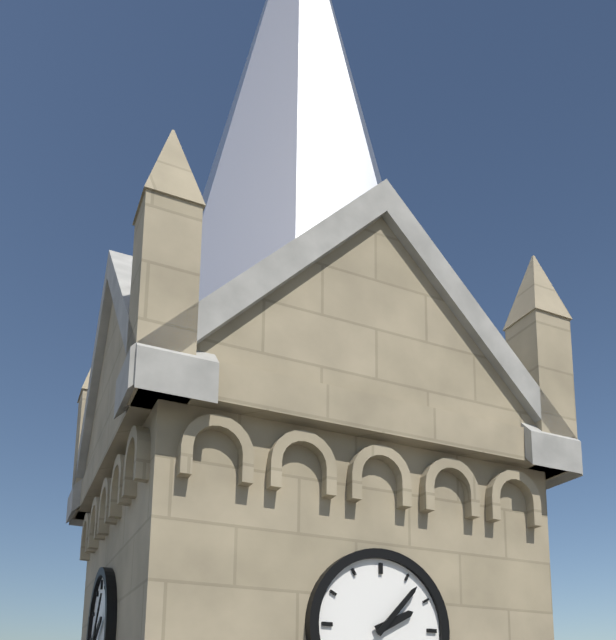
2.07
